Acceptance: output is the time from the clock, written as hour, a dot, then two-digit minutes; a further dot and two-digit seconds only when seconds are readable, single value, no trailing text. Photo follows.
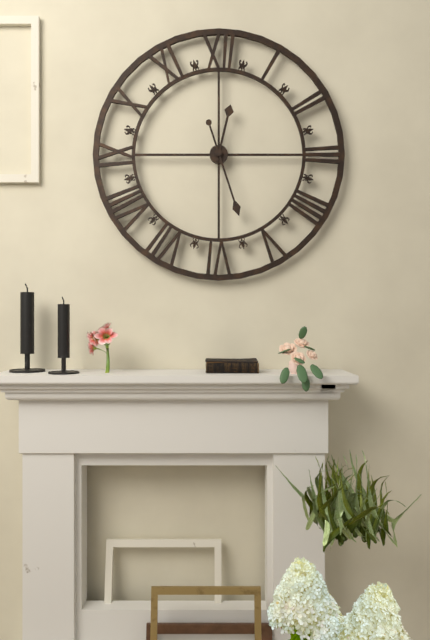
12.27
